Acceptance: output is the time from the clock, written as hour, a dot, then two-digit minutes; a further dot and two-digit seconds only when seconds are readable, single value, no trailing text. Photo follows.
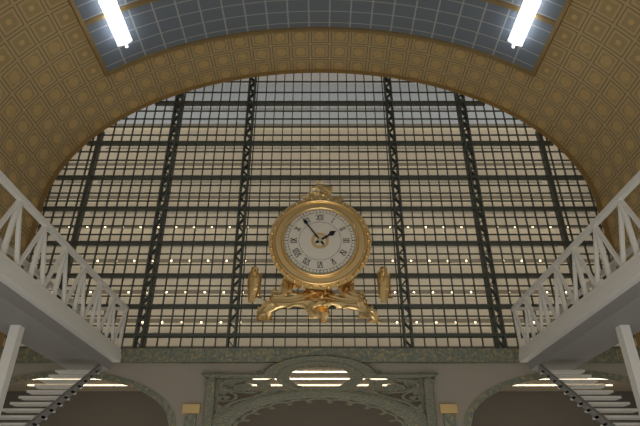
1.54
